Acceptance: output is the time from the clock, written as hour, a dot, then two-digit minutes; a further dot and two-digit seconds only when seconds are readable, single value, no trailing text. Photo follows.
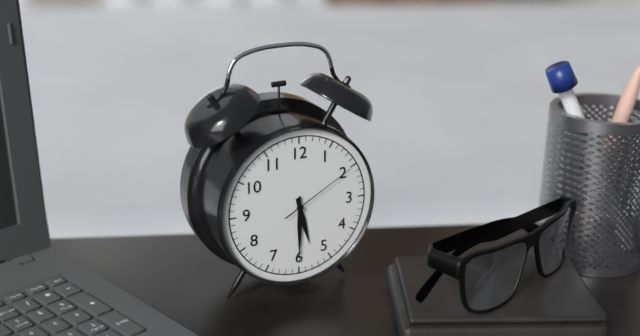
5.30.10
